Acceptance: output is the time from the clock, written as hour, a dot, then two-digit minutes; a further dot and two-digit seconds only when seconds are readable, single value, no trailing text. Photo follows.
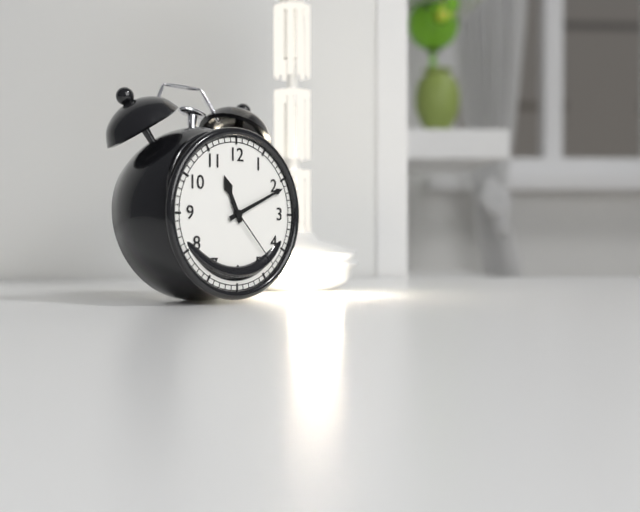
11.11.23
